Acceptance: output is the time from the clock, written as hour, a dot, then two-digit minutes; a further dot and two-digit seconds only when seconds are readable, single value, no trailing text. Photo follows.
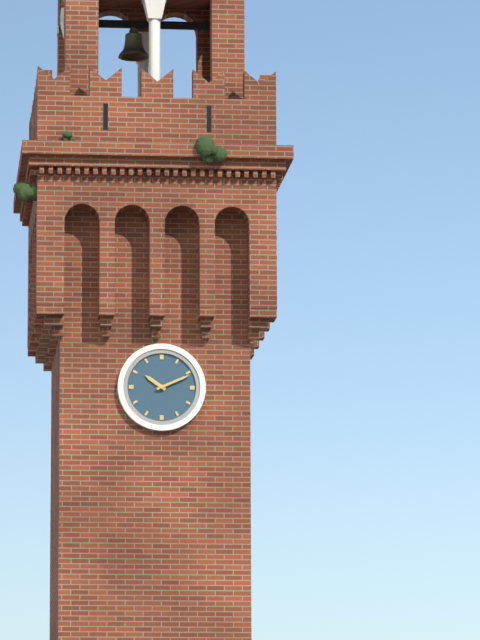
10.11
